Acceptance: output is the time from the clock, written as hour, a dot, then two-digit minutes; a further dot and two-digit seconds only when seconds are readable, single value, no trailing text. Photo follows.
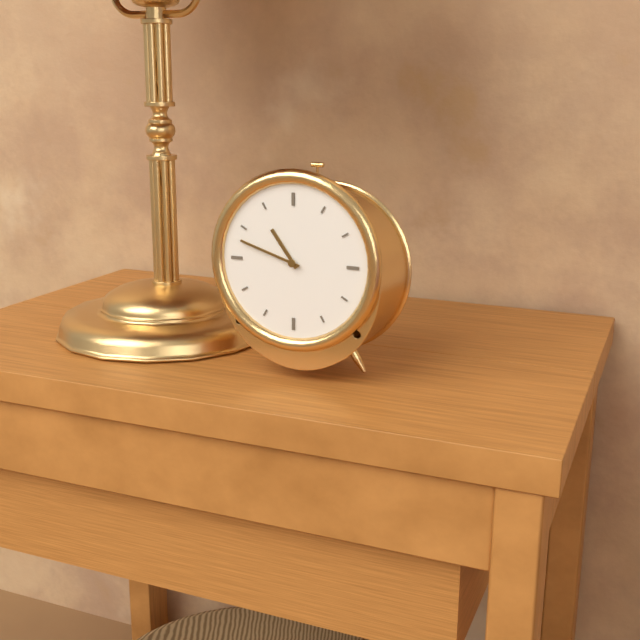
10.48
